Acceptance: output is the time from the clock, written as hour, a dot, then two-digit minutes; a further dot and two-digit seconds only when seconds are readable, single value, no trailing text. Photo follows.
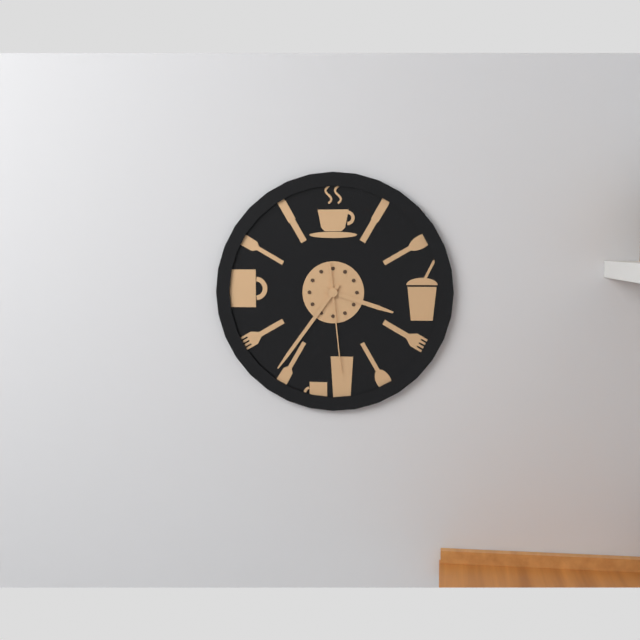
3.36.29
